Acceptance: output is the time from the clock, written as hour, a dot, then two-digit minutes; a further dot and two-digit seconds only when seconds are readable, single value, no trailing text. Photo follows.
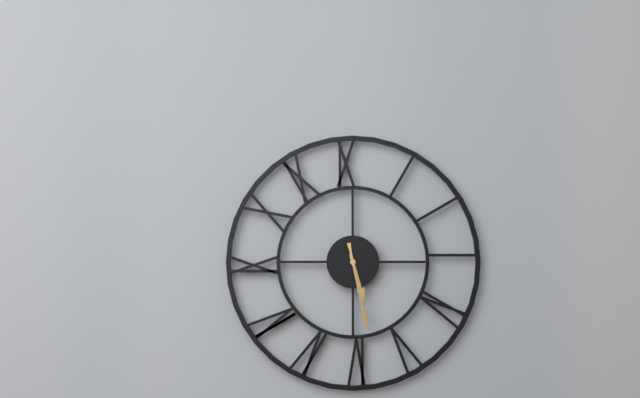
5.28.28
